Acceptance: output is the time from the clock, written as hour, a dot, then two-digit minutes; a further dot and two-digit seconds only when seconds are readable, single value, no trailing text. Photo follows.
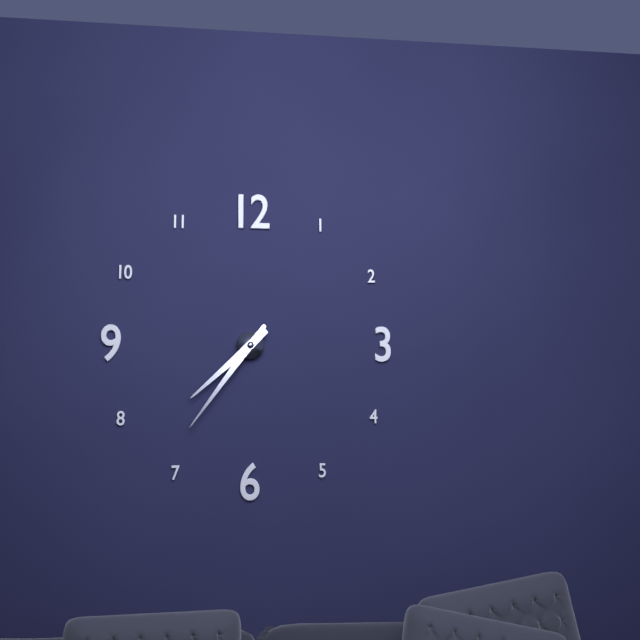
7.36
